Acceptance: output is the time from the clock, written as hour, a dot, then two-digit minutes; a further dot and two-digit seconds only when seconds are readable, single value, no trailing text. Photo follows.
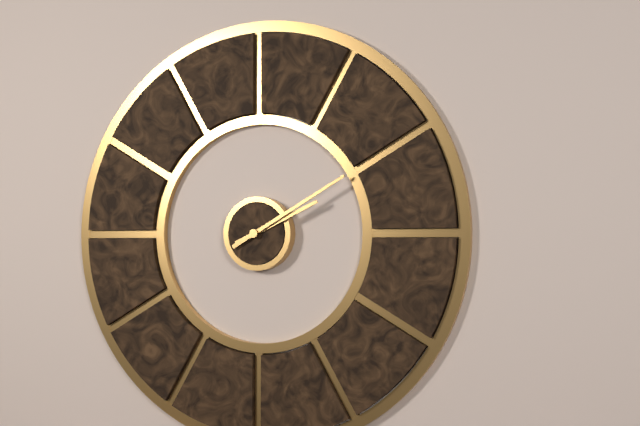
2.10
